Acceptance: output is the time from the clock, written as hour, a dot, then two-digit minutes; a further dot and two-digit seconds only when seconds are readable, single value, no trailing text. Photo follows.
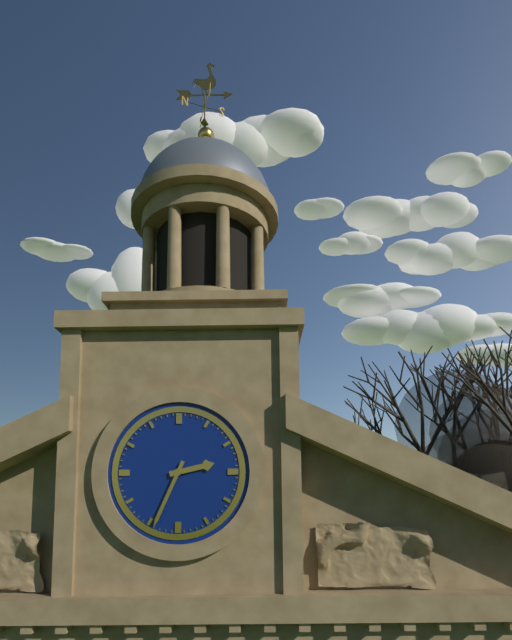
2.34
